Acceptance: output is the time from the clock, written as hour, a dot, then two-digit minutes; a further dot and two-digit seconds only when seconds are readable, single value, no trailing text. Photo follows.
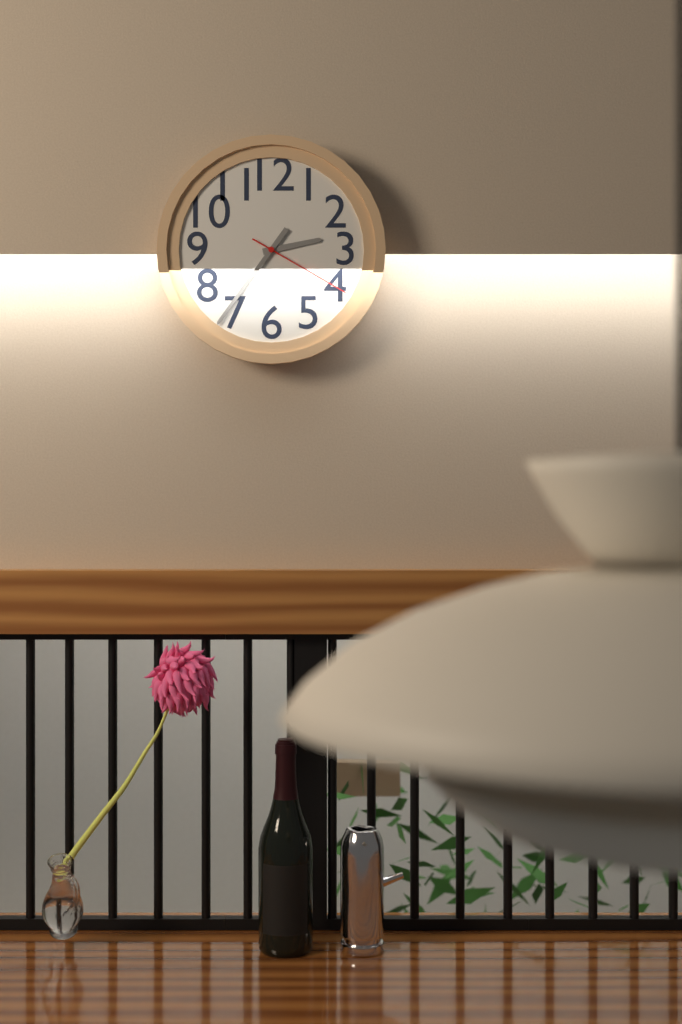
2.36.20
